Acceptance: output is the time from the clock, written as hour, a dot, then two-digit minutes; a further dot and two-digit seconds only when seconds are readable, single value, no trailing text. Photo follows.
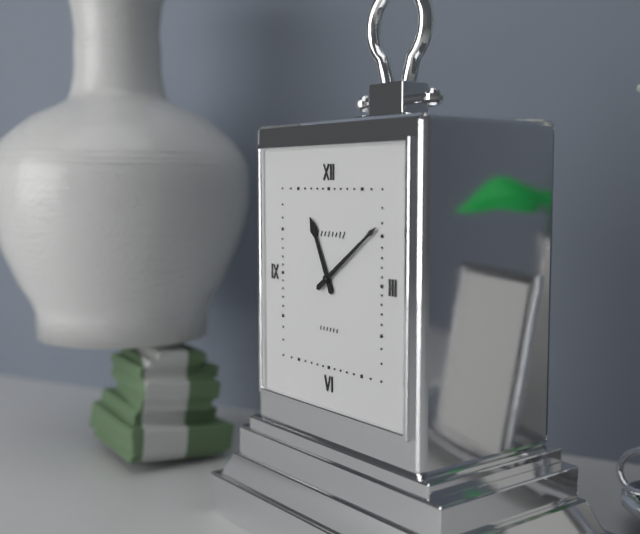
11.09
